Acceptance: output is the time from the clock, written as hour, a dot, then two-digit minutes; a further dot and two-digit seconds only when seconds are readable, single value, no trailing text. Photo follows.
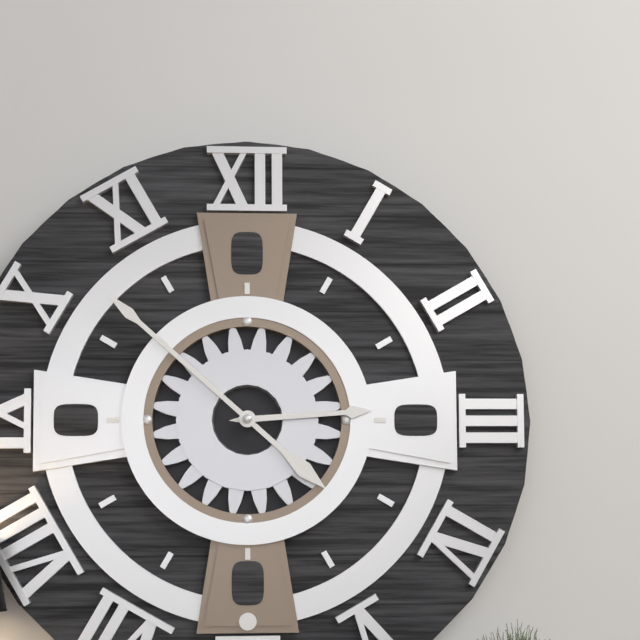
2.52
